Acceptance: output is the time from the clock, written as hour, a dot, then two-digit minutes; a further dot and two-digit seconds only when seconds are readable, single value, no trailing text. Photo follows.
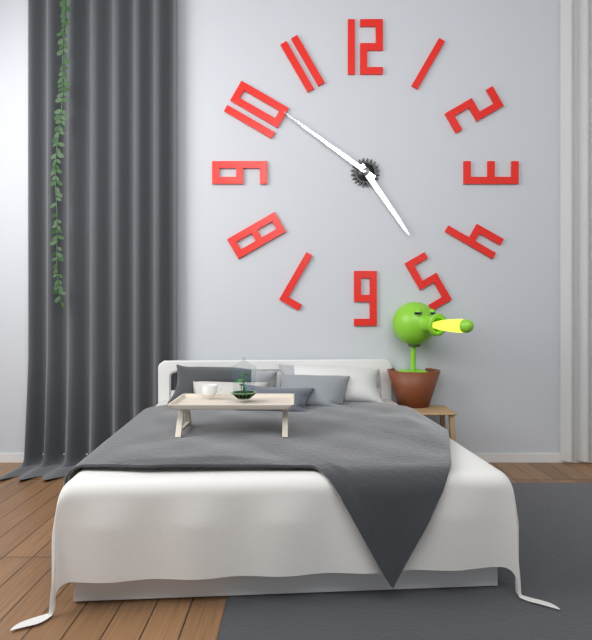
4.51
